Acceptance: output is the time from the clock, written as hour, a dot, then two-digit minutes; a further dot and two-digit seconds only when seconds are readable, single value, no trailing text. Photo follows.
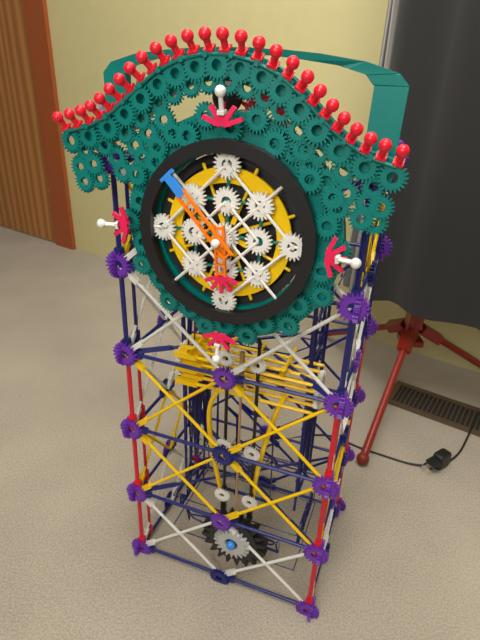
5.53
